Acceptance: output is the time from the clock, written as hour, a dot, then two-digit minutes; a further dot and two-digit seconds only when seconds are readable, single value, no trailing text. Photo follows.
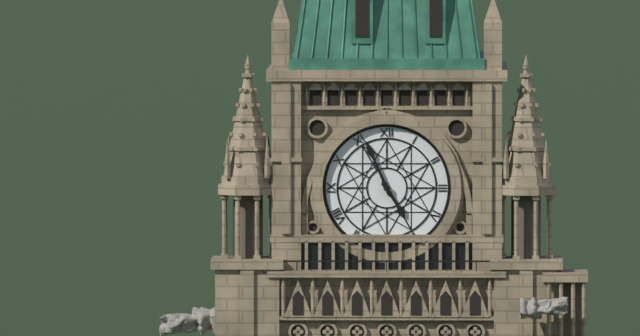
4.56
